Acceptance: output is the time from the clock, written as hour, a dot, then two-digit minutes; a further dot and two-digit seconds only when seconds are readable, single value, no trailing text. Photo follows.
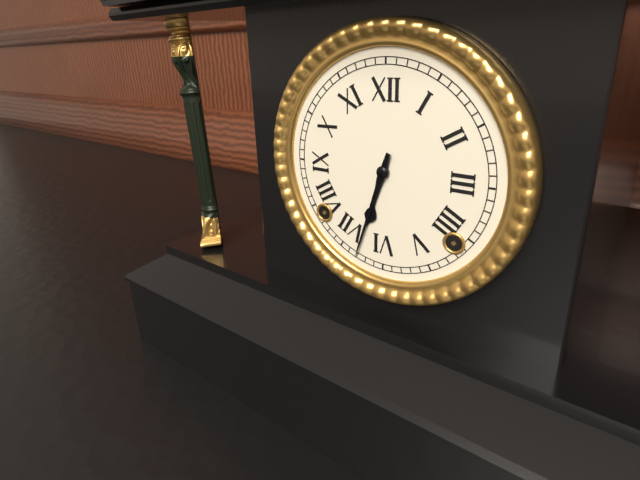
6.33
